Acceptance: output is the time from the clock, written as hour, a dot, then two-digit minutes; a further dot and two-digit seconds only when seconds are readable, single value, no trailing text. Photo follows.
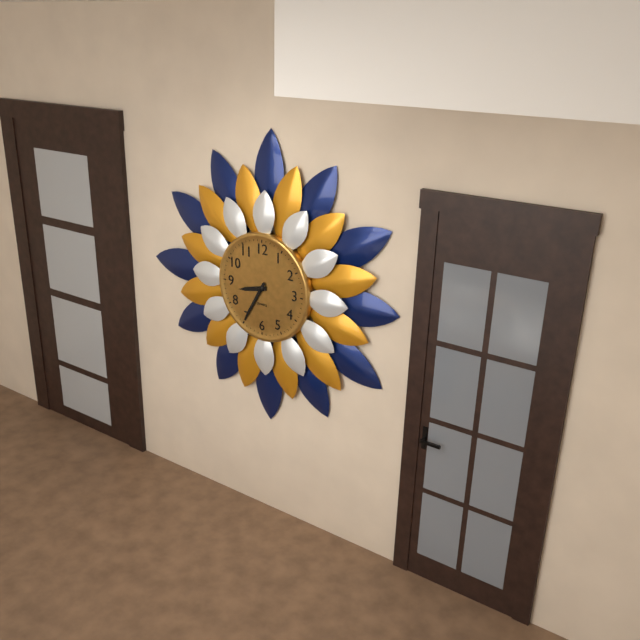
8.35
